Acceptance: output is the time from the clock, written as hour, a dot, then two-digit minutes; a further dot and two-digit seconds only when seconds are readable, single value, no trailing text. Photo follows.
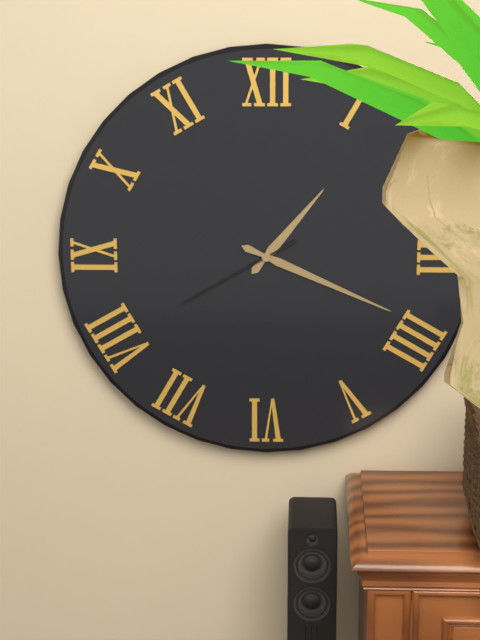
1.19.40
